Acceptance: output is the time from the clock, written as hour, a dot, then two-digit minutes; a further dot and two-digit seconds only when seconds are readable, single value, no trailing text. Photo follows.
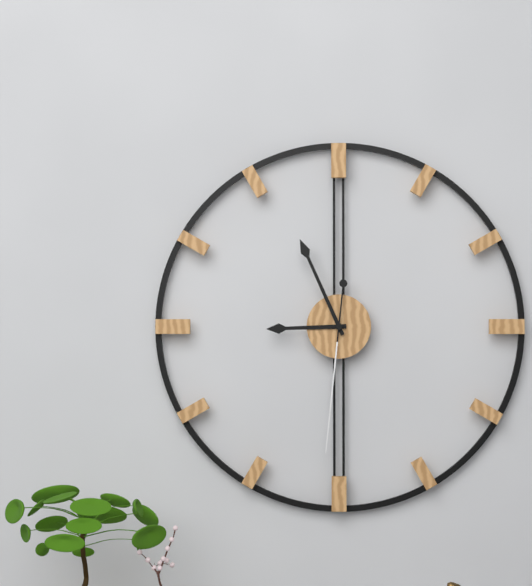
8.56.31
